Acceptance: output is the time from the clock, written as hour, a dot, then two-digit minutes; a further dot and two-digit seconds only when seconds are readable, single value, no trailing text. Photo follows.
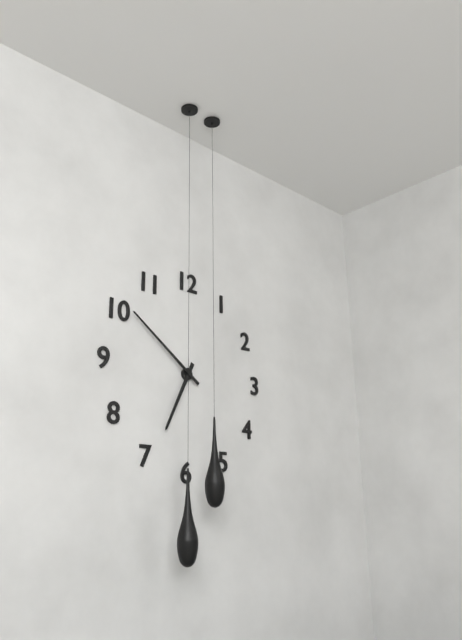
6.51
